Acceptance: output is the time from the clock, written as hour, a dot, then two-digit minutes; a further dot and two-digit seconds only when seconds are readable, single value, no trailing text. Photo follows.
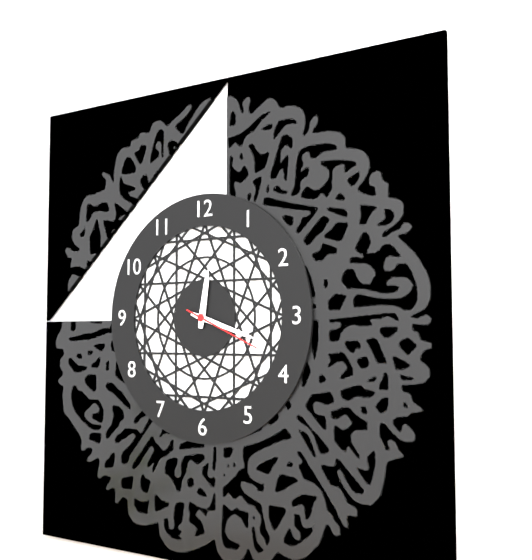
12.18.19
